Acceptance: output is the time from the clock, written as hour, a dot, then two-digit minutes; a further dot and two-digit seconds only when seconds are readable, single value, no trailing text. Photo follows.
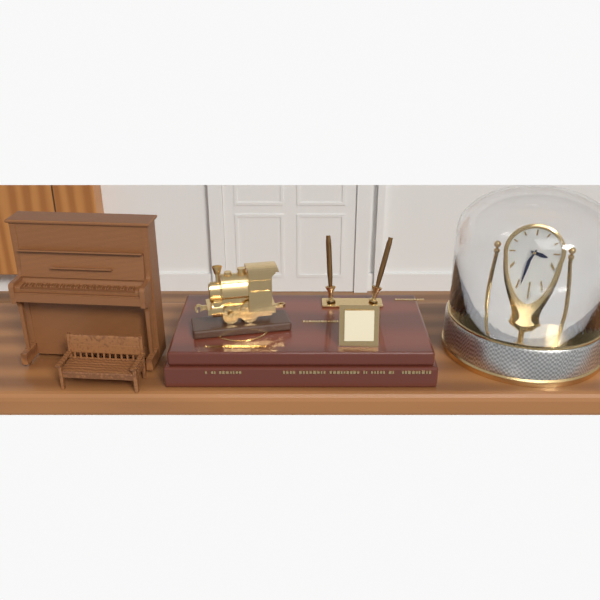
3.34
